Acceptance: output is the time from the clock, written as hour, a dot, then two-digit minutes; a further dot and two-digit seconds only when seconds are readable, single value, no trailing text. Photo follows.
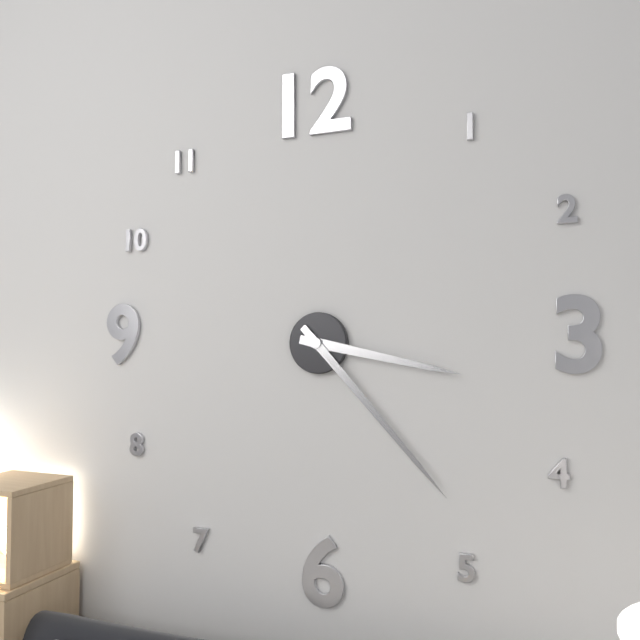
3.23
